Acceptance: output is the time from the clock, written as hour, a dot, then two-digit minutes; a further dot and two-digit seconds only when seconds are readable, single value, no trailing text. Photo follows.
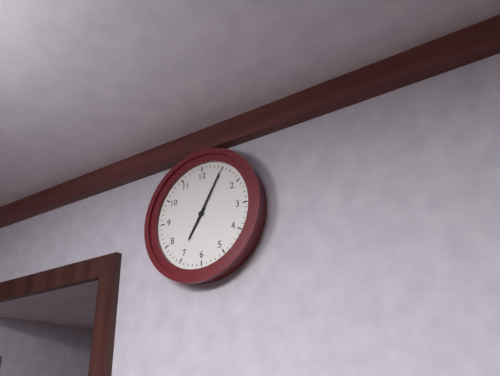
7.05
